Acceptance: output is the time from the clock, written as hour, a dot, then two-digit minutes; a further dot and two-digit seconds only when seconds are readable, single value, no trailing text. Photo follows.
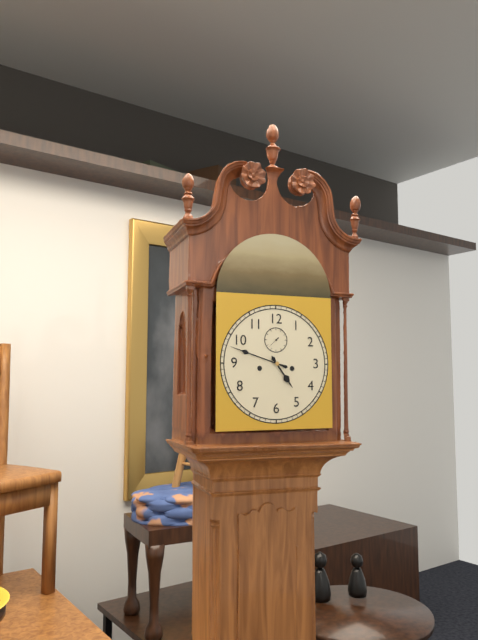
4.48
